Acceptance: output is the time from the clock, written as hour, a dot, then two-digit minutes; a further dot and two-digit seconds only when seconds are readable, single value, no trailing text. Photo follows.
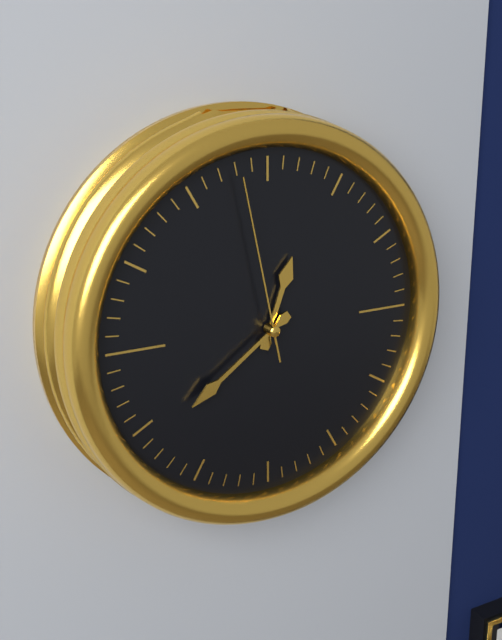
12.39.58
